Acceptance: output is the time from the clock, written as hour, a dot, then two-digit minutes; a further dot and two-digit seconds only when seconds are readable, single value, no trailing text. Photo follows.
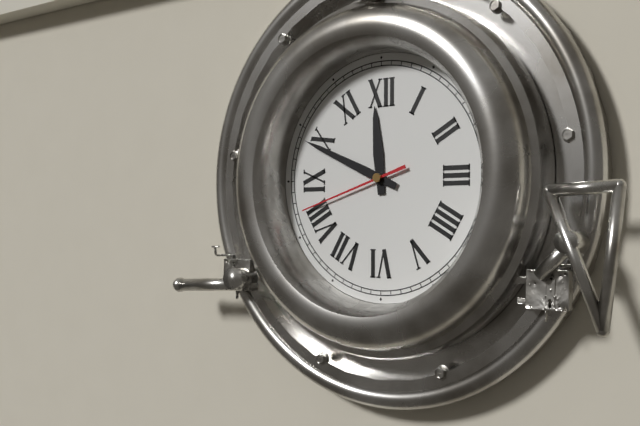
11.49.42
